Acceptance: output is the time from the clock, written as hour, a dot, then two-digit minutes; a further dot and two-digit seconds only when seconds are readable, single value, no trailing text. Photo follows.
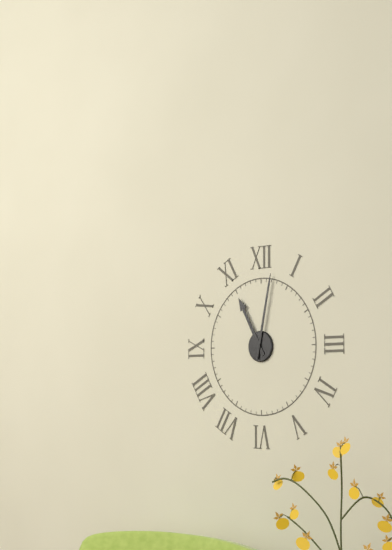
11.02
